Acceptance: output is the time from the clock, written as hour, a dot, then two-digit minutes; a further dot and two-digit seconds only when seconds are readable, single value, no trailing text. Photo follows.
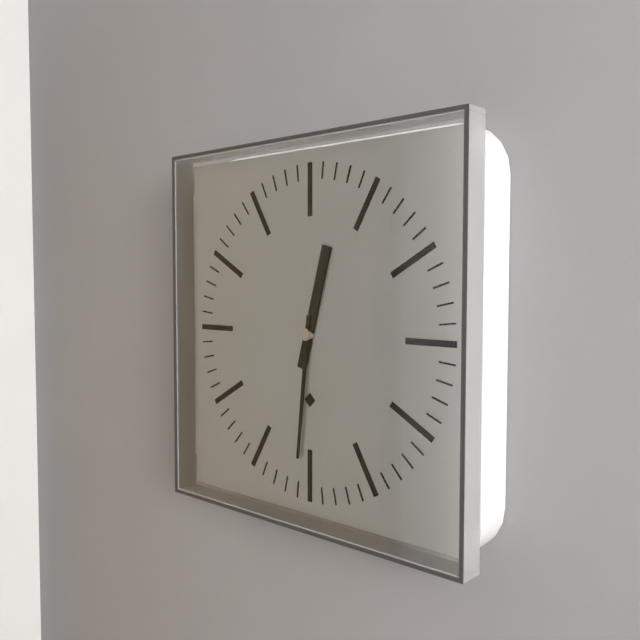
12.31
